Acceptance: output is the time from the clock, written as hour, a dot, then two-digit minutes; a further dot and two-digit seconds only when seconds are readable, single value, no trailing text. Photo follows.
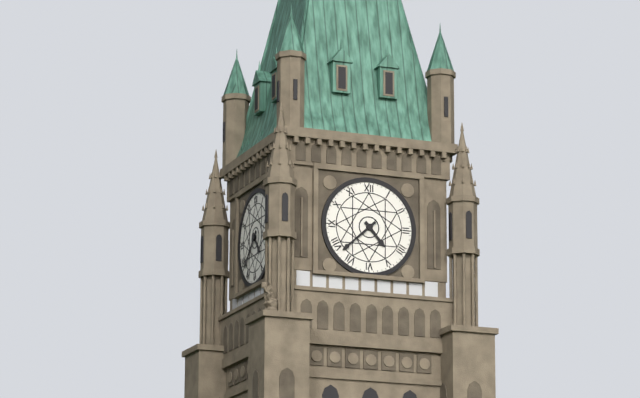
4.38
